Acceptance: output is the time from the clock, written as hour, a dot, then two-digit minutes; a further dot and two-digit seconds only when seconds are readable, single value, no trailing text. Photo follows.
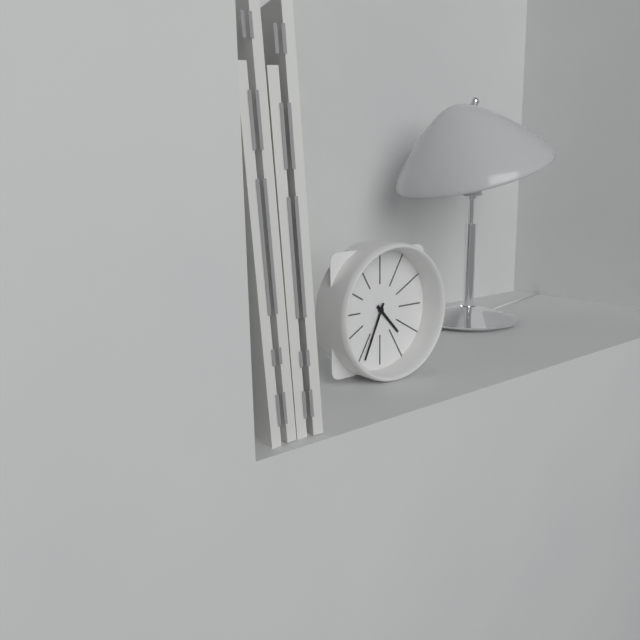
4.34
